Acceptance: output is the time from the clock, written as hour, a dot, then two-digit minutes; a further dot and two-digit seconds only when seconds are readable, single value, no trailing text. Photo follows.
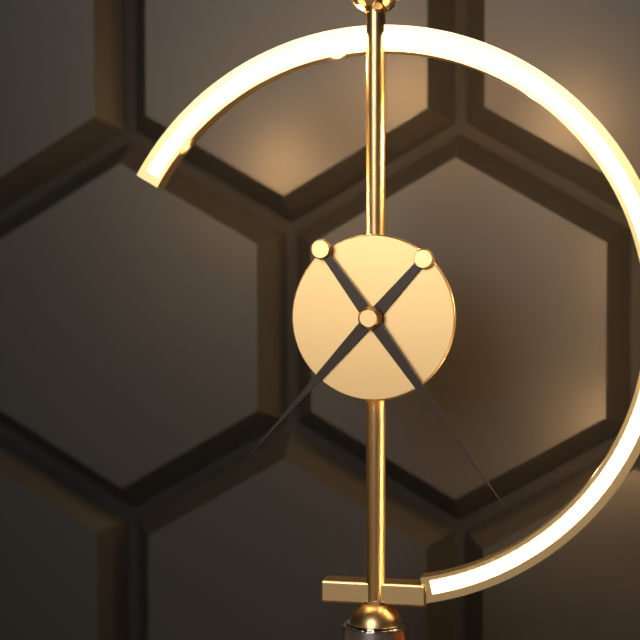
7.24
